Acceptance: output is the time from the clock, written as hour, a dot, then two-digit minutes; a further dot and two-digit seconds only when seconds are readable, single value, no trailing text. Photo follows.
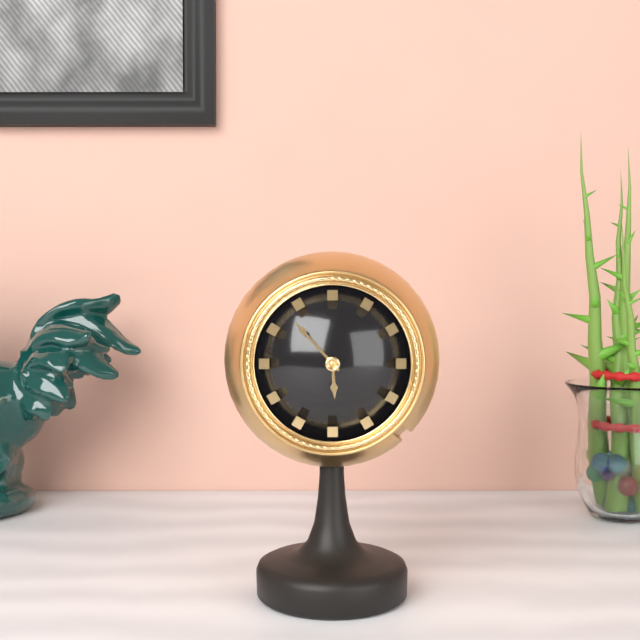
5.53
